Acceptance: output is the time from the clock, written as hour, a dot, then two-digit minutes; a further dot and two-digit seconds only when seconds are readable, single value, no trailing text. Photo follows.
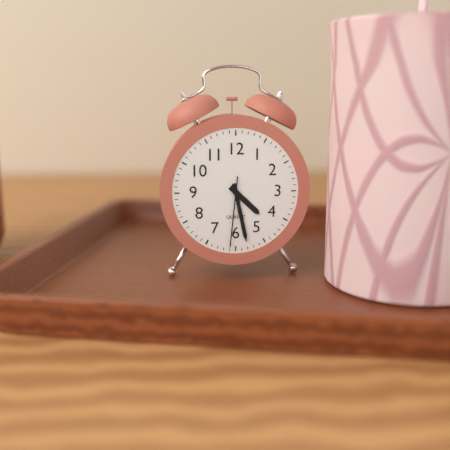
4.28.31
